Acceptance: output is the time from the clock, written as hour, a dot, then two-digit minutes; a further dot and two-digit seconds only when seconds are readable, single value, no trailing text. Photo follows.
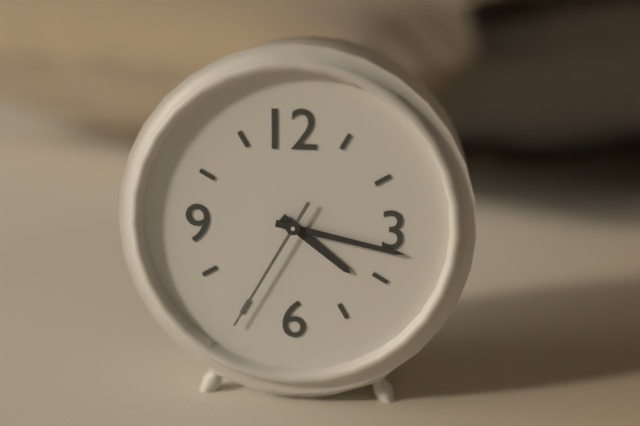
4.17.35
